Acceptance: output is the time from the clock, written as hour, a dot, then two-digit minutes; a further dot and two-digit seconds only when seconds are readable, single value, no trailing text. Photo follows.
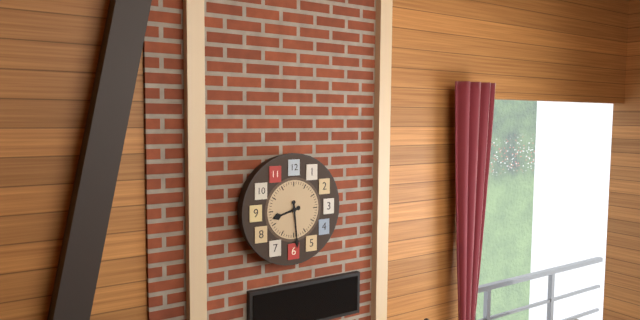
8.29
